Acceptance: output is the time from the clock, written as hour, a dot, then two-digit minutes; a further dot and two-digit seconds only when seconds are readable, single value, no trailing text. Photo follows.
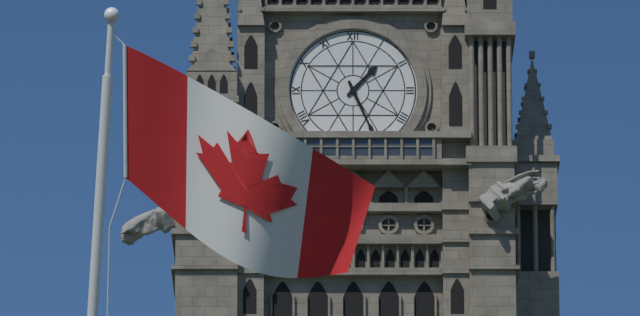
1.26
